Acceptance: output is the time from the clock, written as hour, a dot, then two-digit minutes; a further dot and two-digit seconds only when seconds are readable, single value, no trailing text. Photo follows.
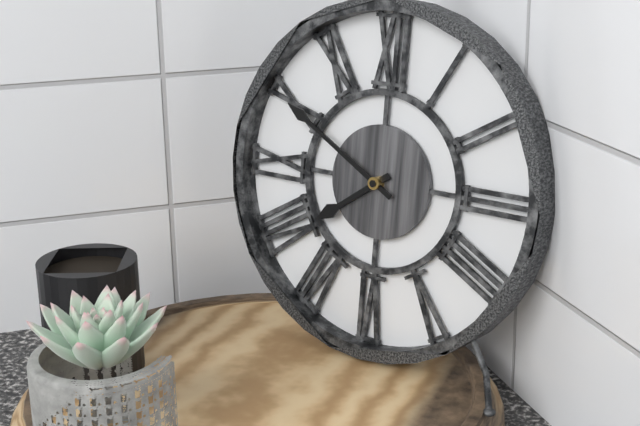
7.50
